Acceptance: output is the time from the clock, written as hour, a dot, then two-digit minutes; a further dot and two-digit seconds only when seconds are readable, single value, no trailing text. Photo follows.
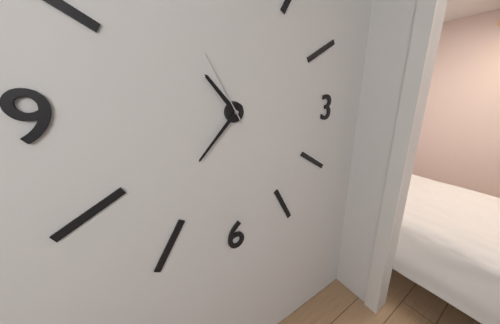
10.37.55
